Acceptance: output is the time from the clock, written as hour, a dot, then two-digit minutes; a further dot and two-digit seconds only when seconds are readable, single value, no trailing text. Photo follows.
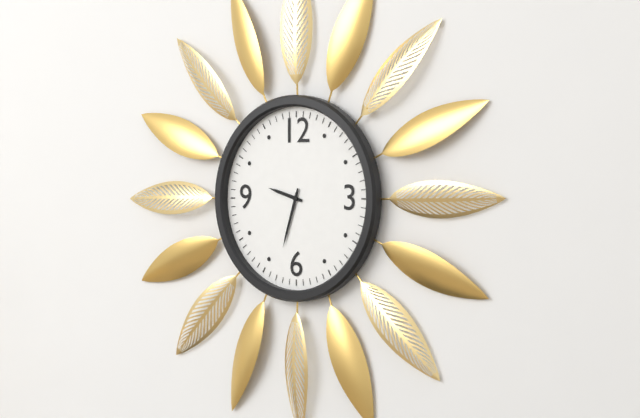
9.33
